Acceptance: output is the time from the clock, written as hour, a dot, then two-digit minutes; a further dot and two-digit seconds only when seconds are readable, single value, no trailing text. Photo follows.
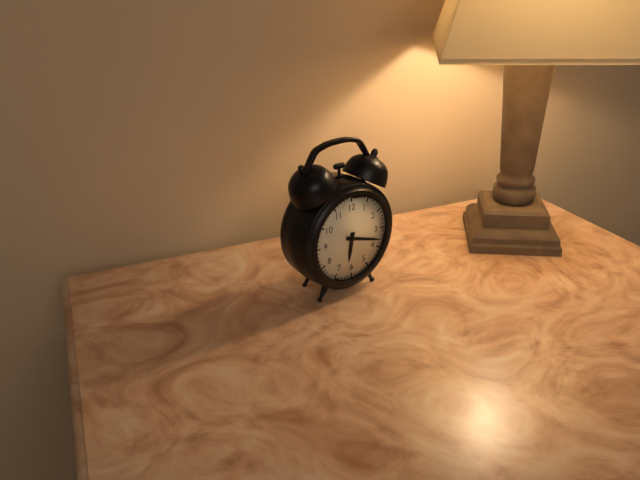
6.18
